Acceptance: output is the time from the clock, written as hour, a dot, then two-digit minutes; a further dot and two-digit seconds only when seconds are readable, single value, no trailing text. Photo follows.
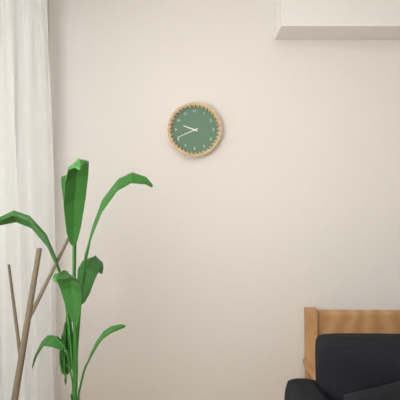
9.41
